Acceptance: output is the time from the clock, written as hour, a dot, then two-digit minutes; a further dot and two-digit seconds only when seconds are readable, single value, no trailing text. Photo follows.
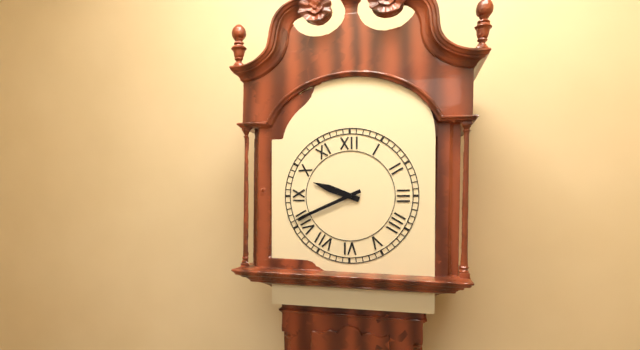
9.41
